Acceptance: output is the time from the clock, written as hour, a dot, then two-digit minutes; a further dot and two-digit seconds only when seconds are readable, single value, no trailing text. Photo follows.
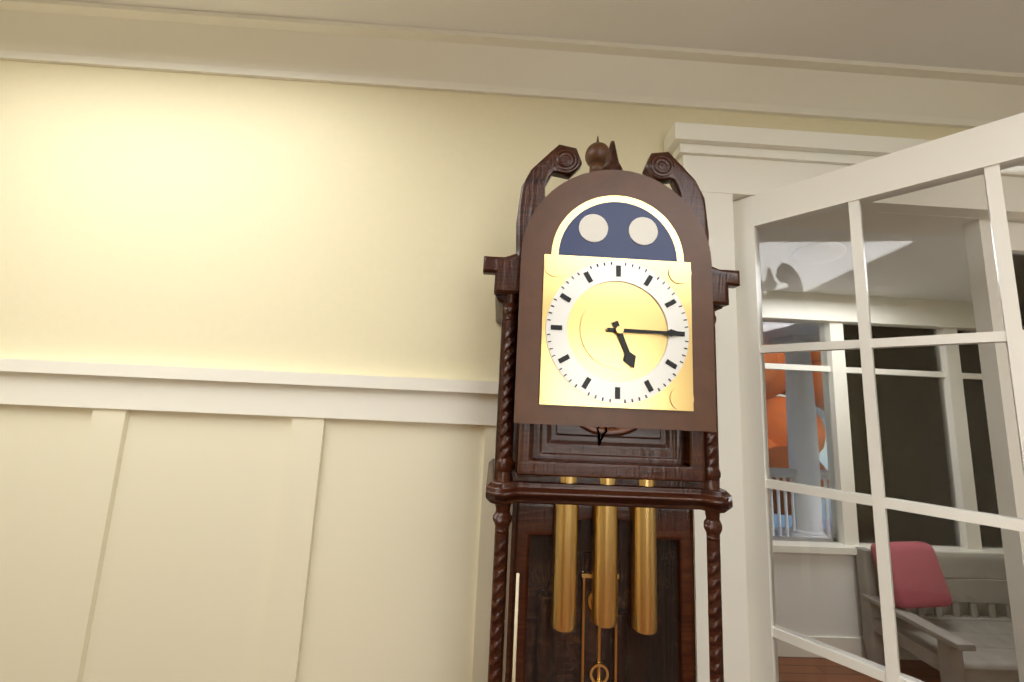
5.15
